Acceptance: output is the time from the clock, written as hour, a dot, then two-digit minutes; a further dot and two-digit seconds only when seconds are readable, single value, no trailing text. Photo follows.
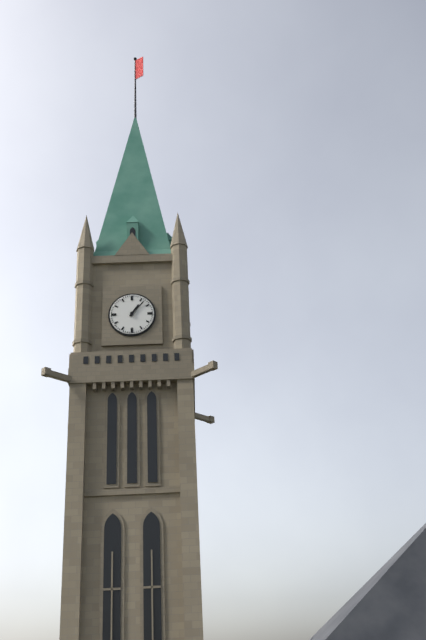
1.07
